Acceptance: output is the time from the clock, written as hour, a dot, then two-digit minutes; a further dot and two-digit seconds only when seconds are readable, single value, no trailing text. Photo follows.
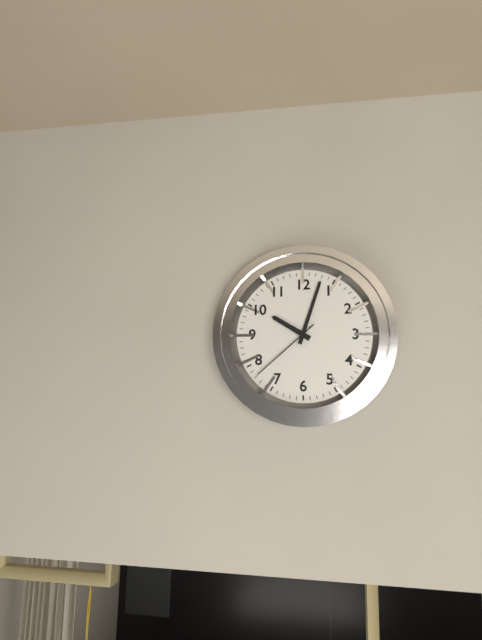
10.03.38
